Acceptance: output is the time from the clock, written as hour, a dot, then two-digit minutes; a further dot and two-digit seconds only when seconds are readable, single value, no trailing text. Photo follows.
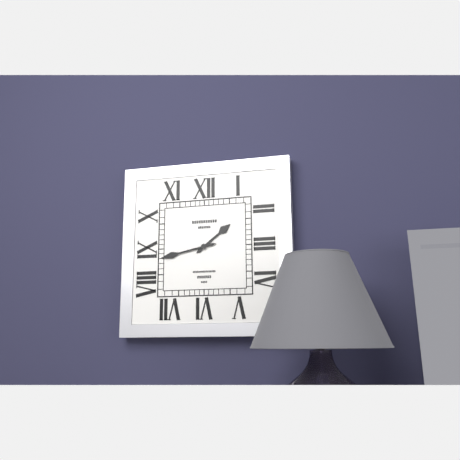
1.43
